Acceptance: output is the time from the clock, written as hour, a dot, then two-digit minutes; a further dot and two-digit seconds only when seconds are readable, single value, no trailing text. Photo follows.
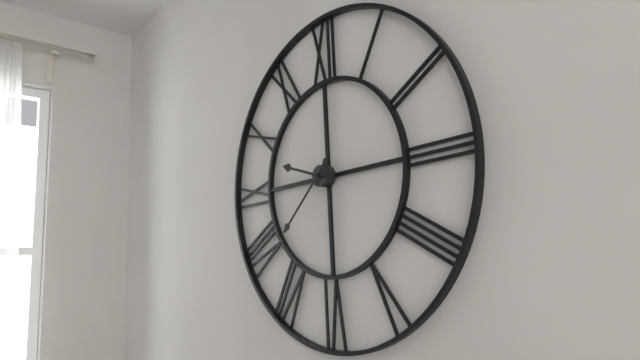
9.38
